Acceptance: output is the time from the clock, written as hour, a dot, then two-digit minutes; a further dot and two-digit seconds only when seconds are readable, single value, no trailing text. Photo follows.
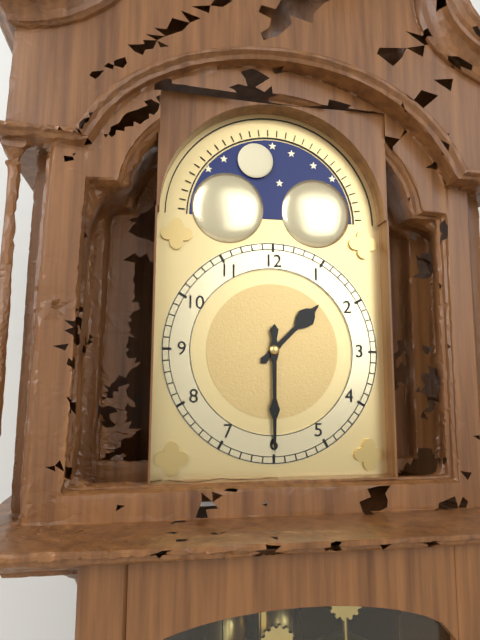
1.30
